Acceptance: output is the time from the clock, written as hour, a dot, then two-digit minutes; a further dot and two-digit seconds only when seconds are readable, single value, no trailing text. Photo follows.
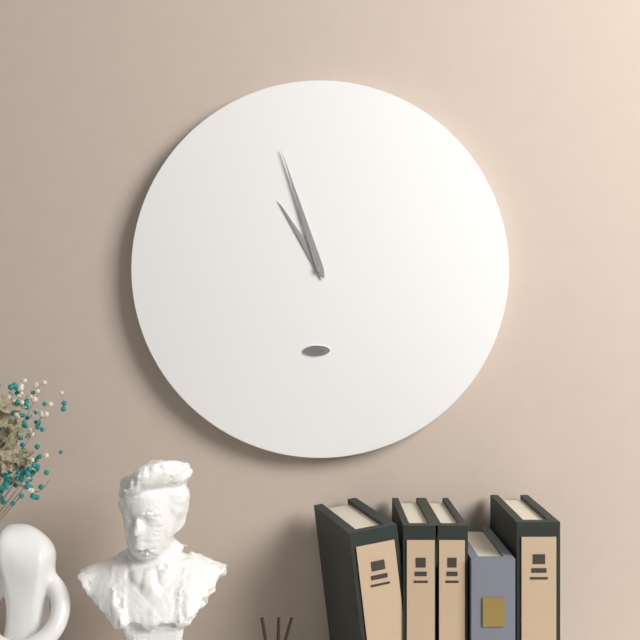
10.57
